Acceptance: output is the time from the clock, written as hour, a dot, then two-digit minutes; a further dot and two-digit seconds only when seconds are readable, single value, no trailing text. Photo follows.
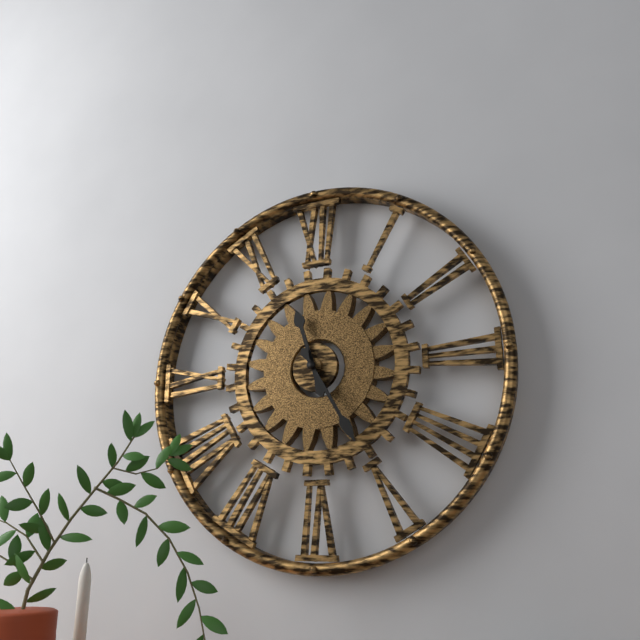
11.25
